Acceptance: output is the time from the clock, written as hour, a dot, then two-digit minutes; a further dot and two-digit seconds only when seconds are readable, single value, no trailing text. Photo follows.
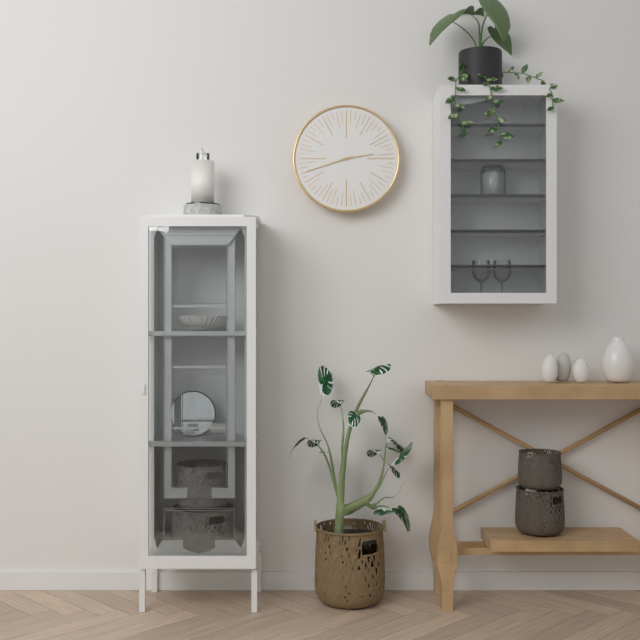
2.42
